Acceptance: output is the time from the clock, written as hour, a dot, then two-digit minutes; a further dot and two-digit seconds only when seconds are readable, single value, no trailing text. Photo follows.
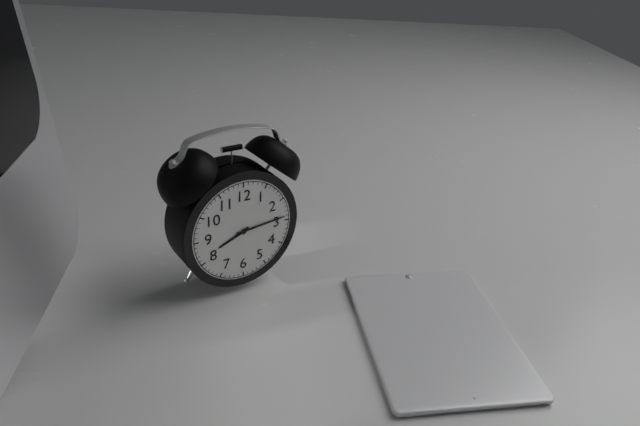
8.14
